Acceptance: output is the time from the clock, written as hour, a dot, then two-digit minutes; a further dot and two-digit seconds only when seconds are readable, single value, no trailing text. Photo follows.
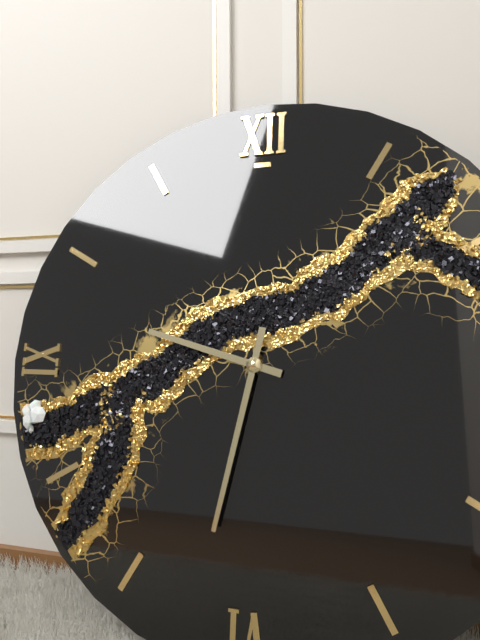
9.32
